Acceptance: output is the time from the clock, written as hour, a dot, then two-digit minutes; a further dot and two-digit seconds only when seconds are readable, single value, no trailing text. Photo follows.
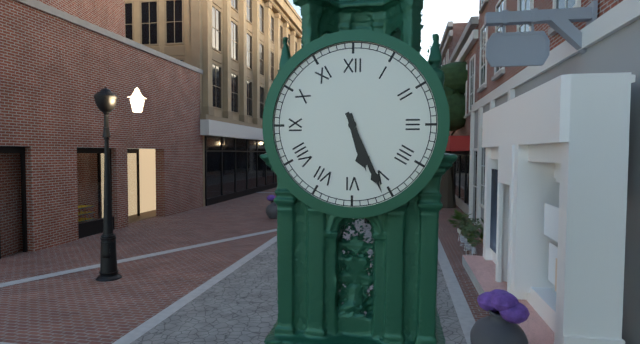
5.26
